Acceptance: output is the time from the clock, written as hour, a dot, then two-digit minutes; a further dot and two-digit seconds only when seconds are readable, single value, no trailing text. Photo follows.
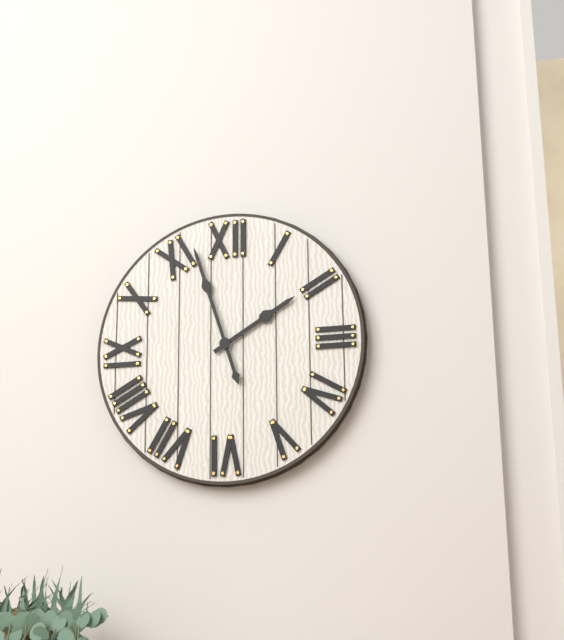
1.57
